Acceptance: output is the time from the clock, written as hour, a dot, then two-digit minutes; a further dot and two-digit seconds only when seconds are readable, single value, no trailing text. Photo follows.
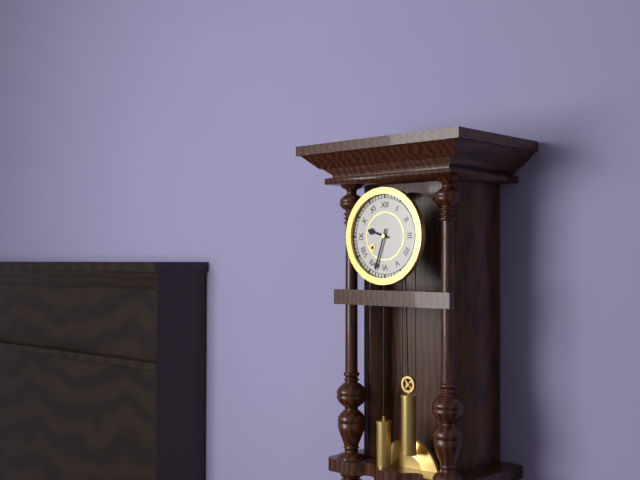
9.33
